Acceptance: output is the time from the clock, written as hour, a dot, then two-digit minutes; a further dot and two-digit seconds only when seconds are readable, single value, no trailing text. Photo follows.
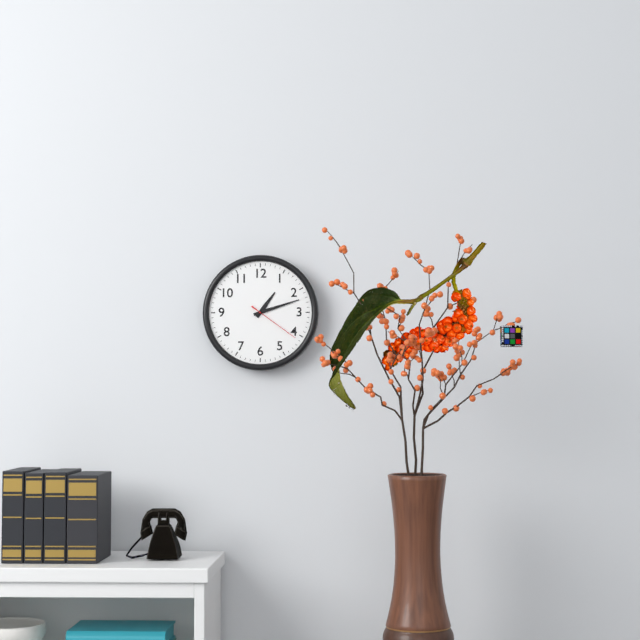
1.12.21
